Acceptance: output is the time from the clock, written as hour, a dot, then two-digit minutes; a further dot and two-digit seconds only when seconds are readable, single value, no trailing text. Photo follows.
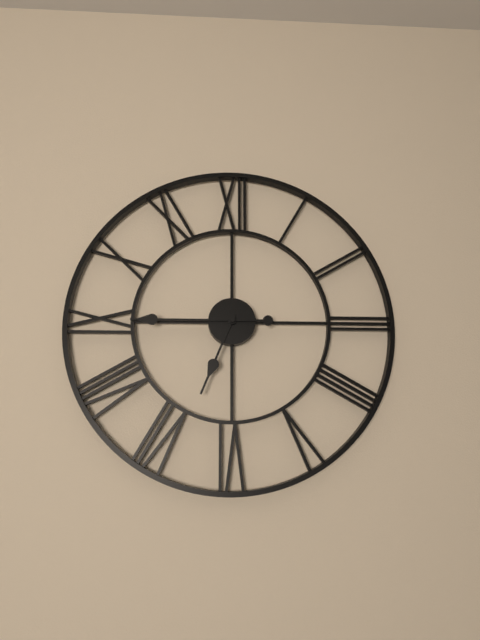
6.45
